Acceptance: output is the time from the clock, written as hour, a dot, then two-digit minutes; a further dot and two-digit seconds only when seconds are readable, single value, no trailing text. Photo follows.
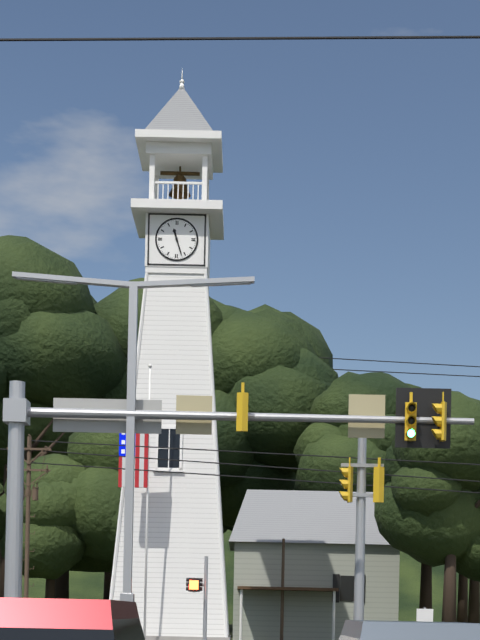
11.27
